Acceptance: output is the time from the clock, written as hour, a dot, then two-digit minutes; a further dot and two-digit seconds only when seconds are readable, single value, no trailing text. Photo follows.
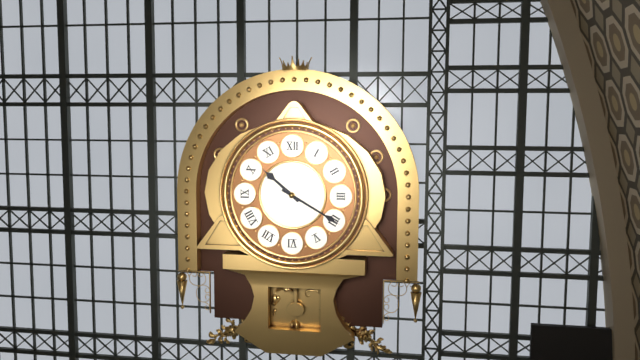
10.20
